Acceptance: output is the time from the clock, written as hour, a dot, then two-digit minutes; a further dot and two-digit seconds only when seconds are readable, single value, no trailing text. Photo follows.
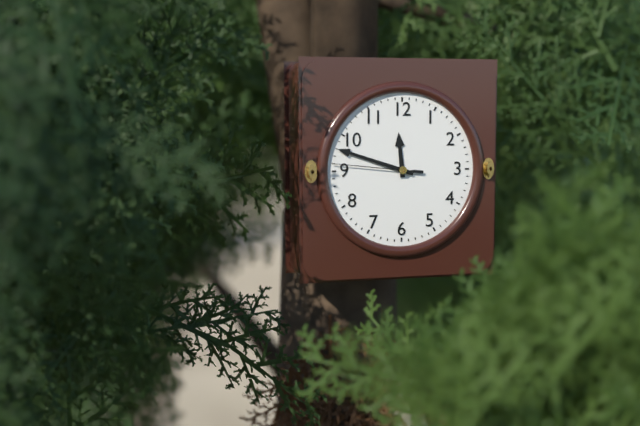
11.48.46
